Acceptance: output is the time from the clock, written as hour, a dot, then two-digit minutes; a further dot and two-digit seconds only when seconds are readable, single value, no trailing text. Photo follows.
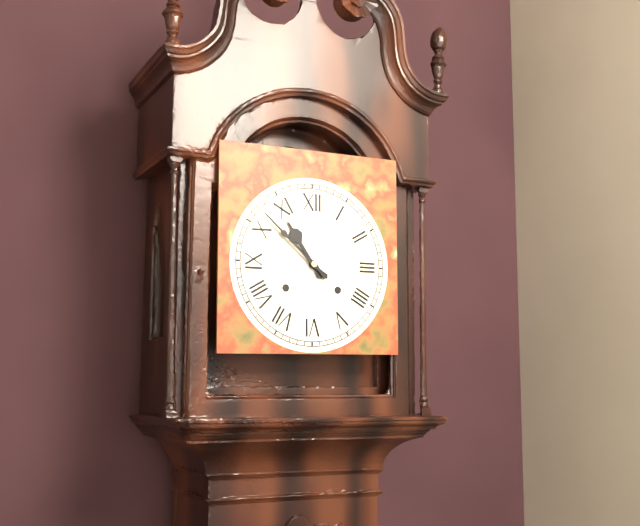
10.52
